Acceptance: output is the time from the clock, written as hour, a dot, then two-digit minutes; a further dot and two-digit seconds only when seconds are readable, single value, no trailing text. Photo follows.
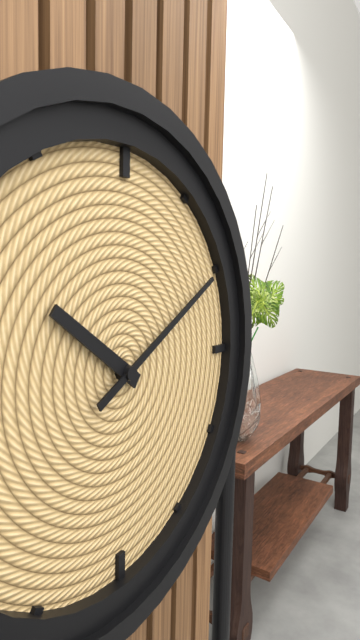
10.10
